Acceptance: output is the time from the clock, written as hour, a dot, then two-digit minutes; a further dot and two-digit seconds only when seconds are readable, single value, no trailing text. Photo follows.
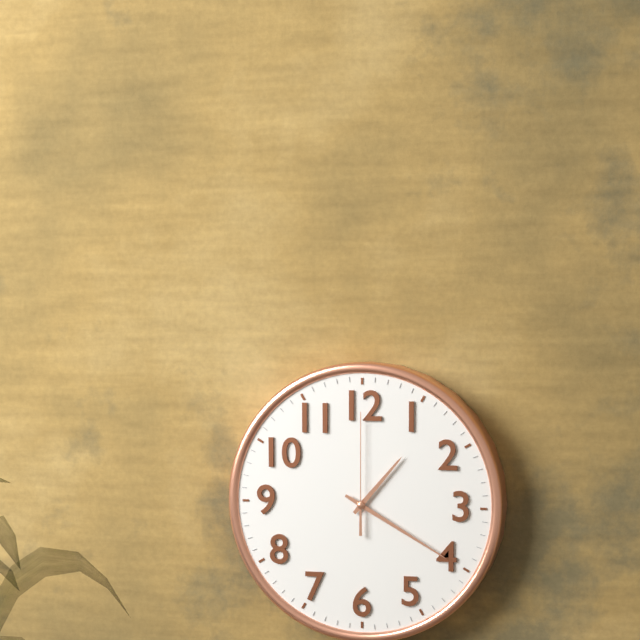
1.20.00
